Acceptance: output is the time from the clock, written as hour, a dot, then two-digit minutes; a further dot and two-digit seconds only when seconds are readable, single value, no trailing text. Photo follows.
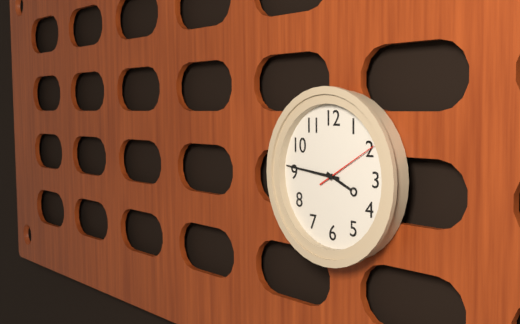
3.46.10
